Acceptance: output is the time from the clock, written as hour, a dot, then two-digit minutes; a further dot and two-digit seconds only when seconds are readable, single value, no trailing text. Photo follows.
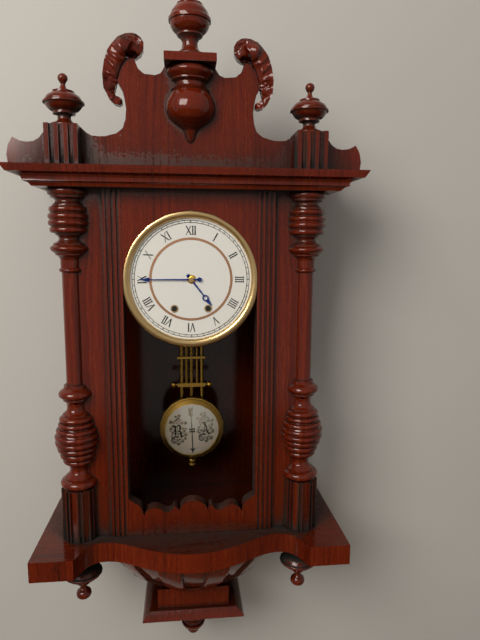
4.45
